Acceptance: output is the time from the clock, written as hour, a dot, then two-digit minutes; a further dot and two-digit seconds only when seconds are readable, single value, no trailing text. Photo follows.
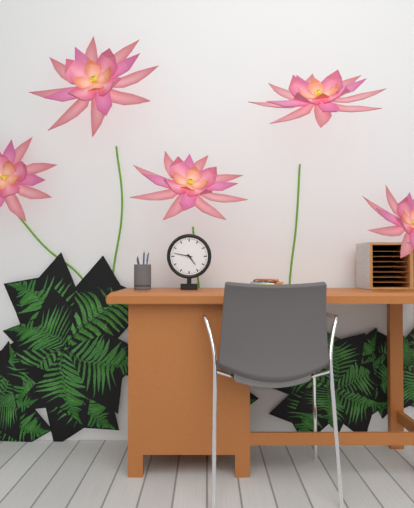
4.47
